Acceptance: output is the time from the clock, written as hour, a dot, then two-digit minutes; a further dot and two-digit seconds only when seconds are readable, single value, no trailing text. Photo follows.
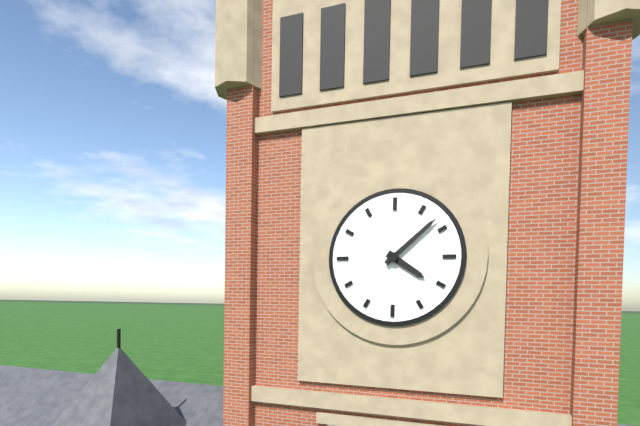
4.08
